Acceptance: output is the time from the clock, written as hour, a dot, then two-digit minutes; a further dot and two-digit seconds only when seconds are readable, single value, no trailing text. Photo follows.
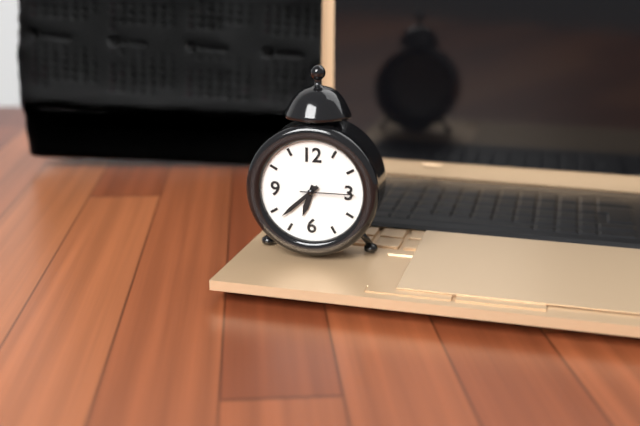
6.38.15
